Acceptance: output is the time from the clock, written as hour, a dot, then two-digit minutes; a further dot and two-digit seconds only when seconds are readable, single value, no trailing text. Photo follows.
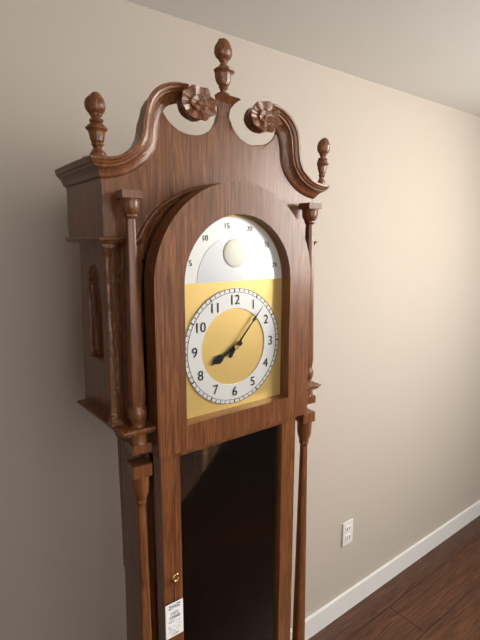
8.07
